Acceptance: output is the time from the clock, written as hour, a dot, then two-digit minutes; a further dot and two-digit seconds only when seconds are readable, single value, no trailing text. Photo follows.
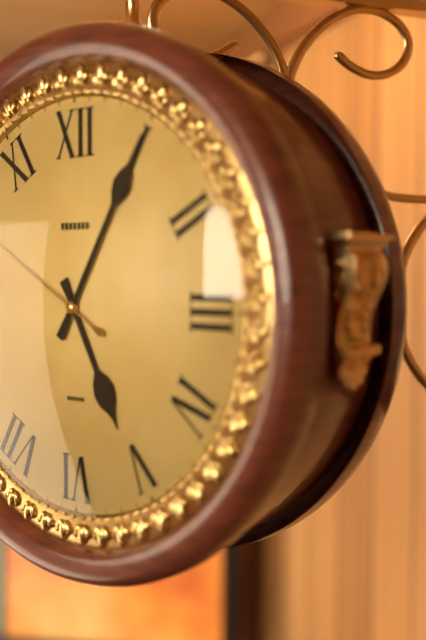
5.05
